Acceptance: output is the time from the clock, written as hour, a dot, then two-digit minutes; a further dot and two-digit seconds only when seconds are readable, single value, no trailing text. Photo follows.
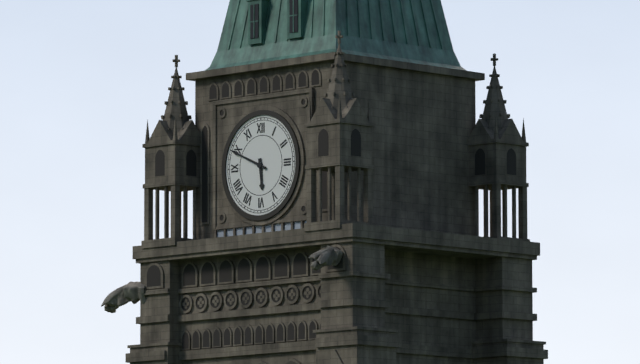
5.49
